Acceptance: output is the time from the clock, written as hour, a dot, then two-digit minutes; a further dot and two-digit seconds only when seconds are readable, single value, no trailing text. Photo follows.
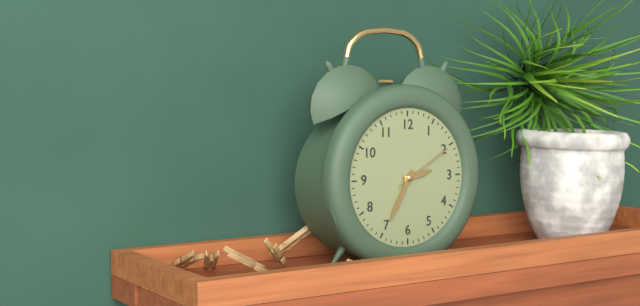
2.35.10
